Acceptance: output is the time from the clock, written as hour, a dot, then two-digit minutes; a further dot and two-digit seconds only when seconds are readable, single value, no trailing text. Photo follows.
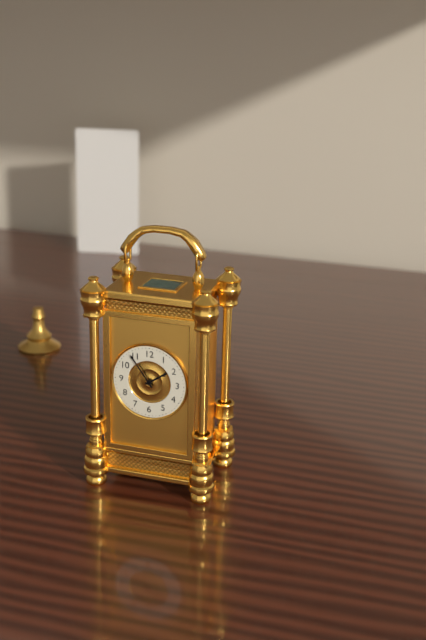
1.54
